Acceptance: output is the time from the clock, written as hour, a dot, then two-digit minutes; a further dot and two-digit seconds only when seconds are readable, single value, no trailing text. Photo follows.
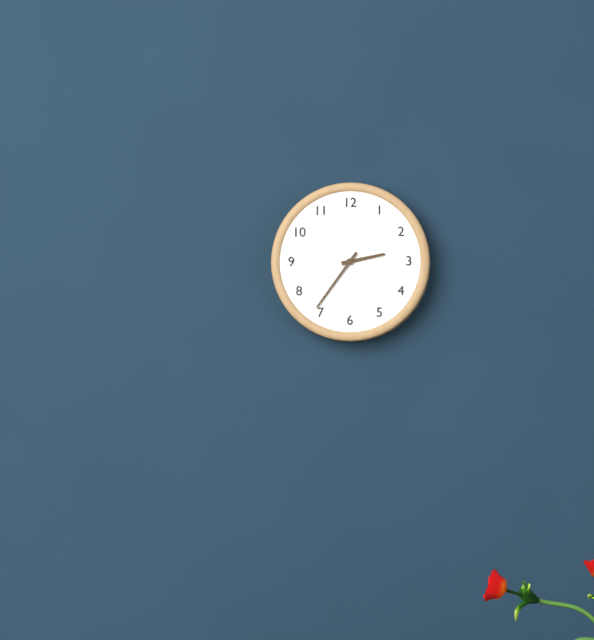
2.36
